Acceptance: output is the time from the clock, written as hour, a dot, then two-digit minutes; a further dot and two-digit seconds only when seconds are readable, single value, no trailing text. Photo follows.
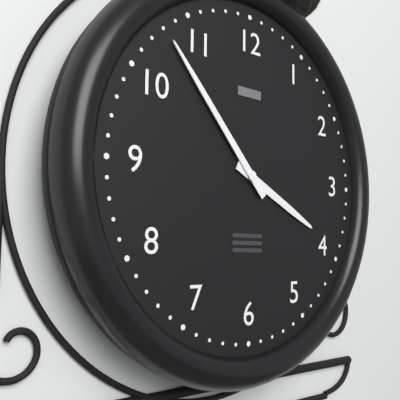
3.53
